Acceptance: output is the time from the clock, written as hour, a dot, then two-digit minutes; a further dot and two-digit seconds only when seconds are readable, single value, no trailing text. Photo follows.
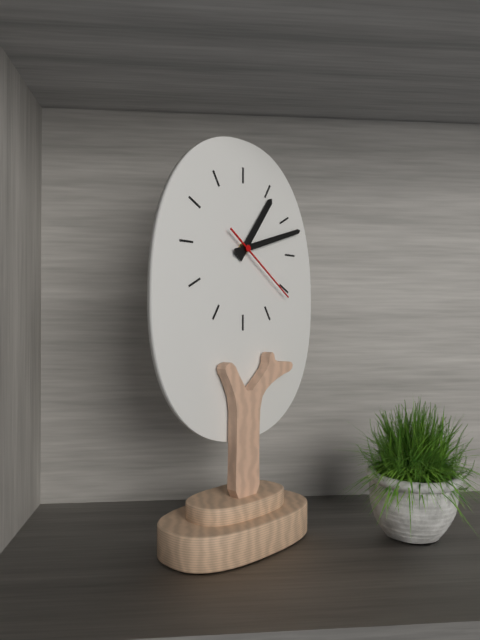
1.12.21
